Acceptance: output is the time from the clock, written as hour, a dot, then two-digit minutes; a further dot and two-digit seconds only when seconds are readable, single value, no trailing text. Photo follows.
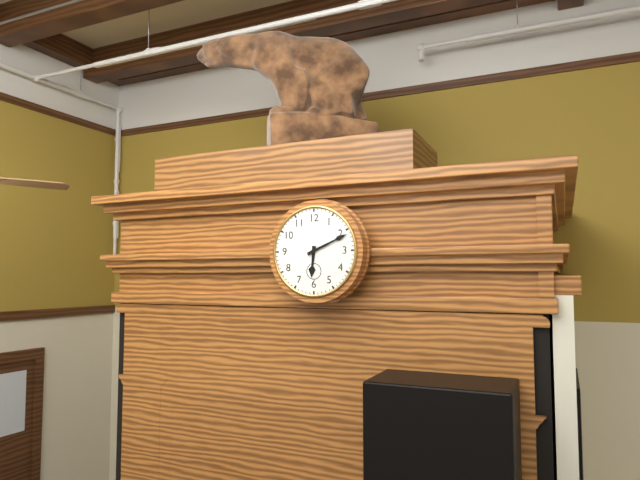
6.11
